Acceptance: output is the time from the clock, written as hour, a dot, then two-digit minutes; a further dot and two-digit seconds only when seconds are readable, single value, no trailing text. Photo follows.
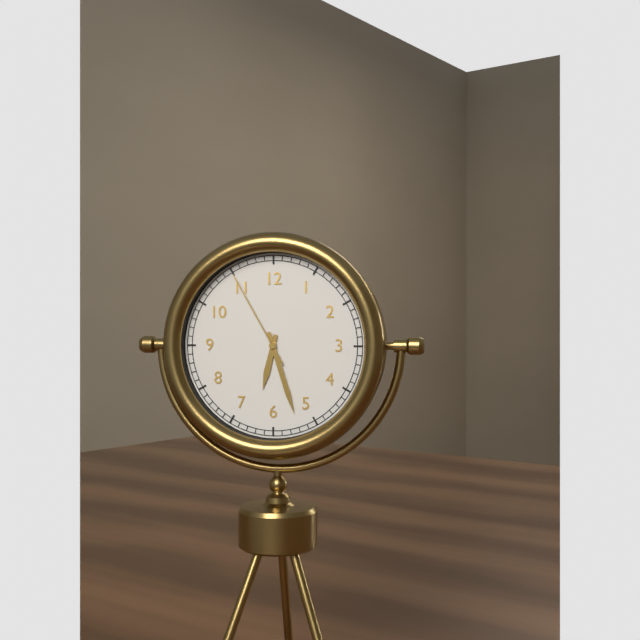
6.27.55
